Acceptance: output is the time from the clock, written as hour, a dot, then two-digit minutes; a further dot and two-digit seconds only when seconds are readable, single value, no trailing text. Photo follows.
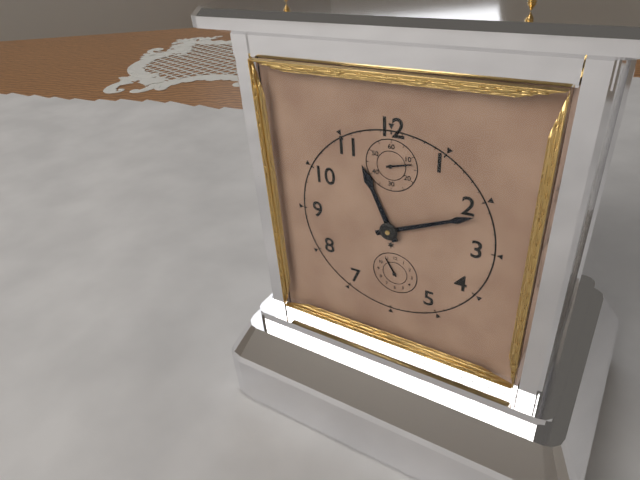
11.11
